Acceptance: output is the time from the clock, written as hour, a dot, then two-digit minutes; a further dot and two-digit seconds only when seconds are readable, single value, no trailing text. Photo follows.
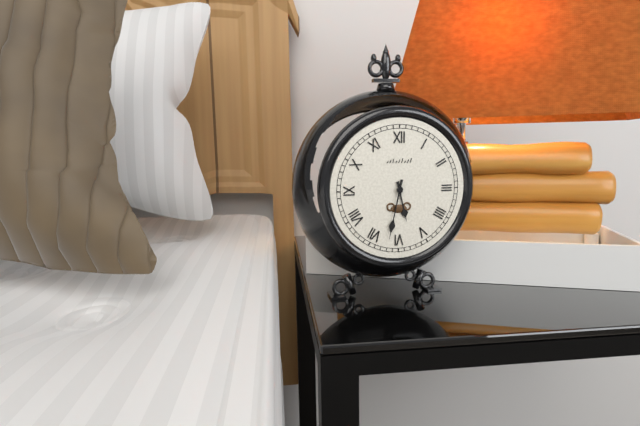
5.32
